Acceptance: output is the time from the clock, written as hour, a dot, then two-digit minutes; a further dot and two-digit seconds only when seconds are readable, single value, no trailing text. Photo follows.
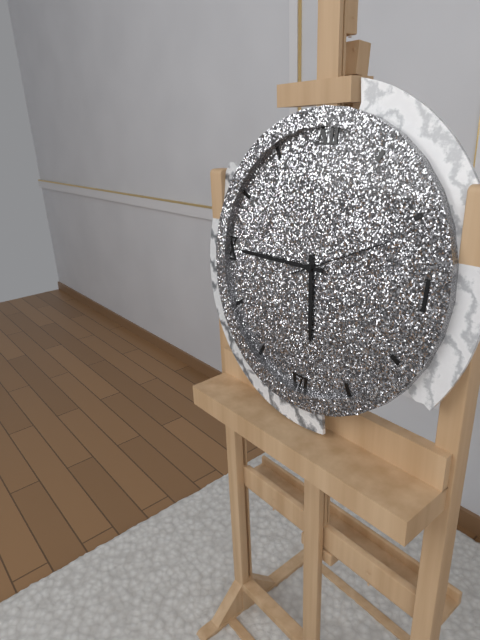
5.45.11
